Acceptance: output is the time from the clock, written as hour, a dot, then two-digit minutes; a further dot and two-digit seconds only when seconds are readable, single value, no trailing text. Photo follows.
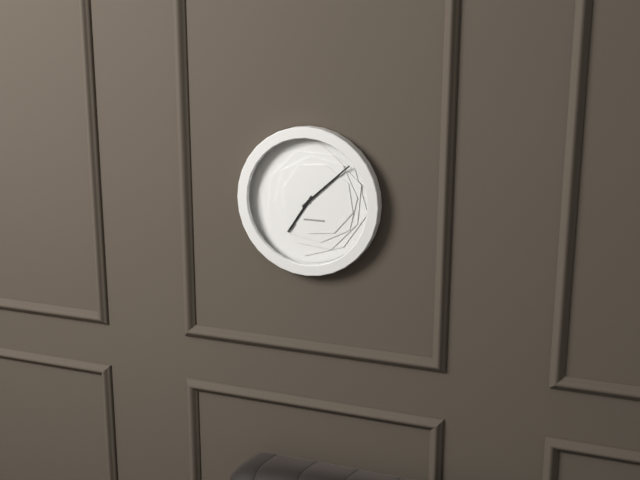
7.08
